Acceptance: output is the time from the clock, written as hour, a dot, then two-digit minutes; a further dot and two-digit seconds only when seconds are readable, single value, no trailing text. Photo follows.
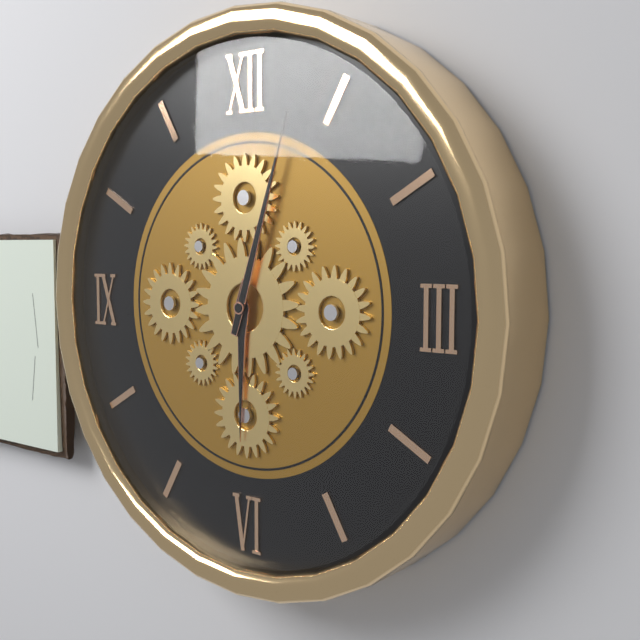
6.03
